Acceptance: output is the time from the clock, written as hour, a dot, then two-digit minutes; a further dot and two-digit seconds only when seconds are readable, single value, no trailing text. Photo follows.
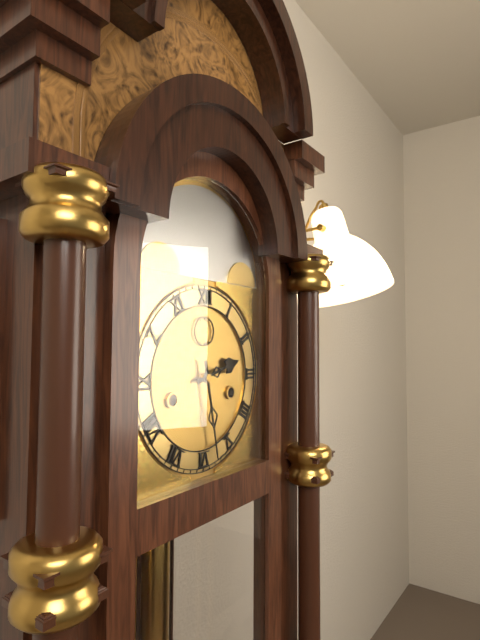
2.28
